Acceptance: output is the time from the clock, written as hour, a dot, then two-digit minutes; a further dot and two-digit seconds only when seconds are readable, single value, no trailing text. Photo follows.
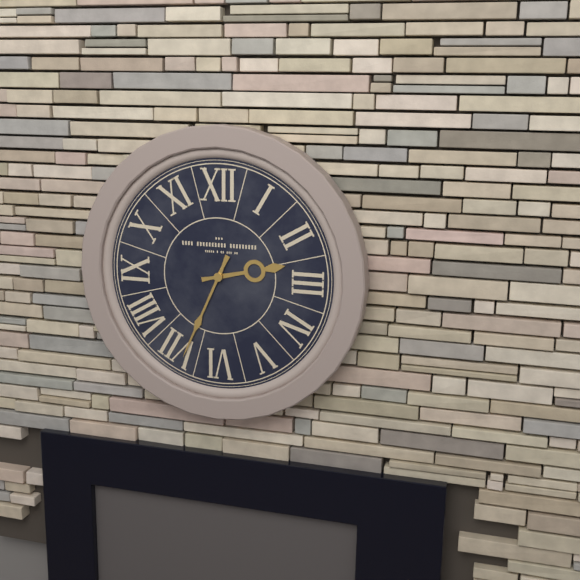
2.34
